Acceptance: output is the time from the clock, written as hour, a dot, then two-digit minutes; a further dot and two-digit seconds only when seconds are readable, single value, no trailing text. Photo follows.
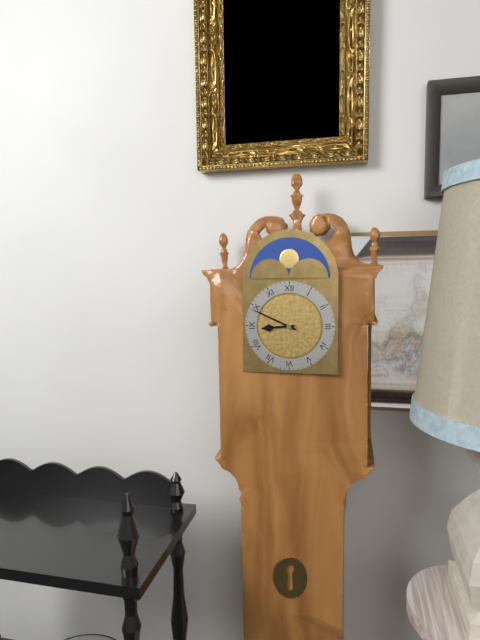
8.49
